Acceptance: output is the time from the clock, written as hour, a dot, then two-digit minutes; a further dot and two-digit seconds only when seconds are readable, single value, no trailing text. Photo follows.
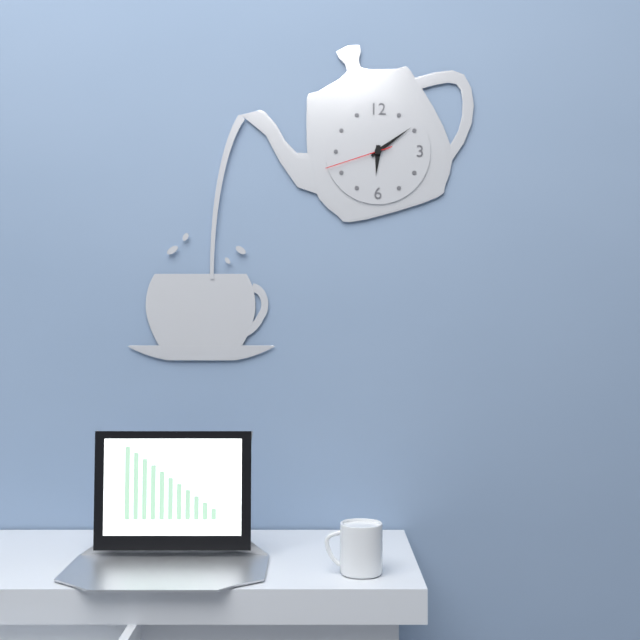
6.09.42
